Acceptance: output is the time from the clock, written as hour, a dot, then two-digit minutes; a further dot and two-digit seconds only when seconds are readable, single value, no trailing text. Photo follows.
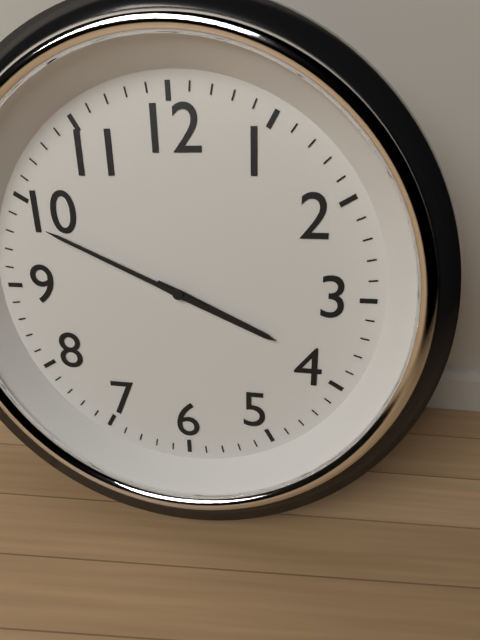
3.49
